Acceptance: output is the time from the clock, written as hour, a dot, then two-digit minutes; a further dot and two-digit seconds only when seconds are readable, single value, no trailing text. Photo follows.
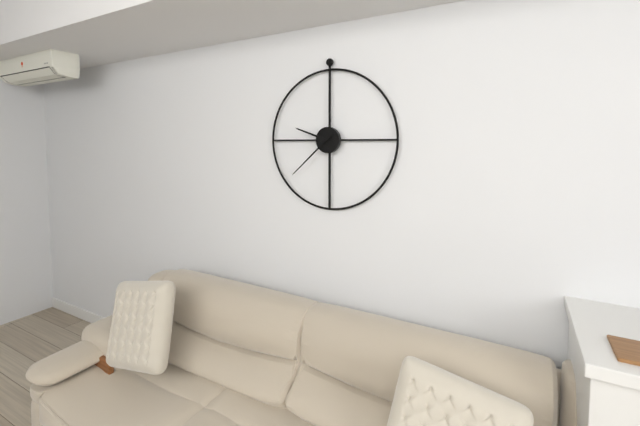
9.38
